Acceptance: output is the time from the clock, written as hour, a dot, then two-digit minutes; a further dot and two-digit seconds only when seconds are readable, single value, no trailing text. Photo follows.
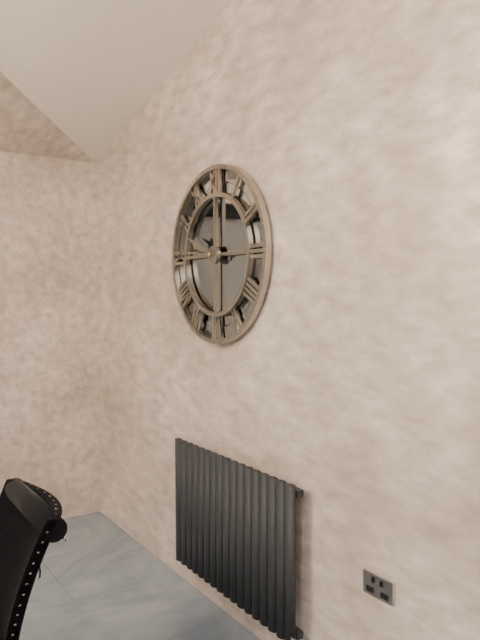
9.46
